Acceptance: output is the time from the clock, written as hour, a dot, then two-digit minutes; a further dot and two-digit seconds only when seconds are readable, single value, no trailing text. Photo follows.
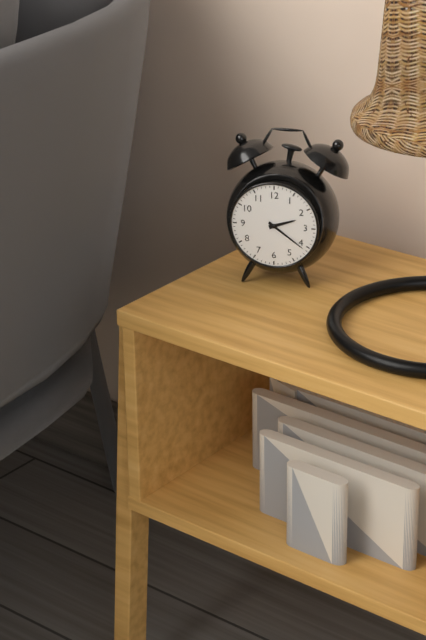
2.21
